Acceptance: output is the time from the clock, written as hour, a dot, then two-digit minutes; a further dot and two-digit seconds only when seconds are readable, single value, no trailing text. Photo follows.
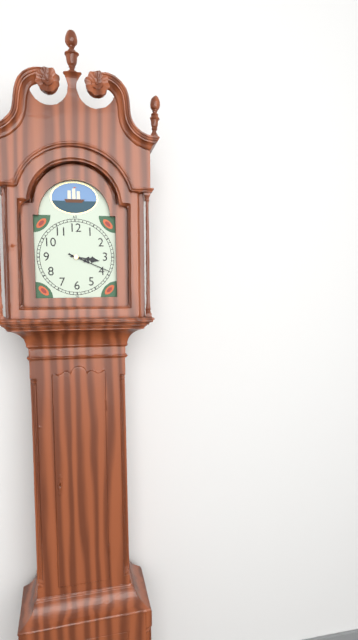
3.19
